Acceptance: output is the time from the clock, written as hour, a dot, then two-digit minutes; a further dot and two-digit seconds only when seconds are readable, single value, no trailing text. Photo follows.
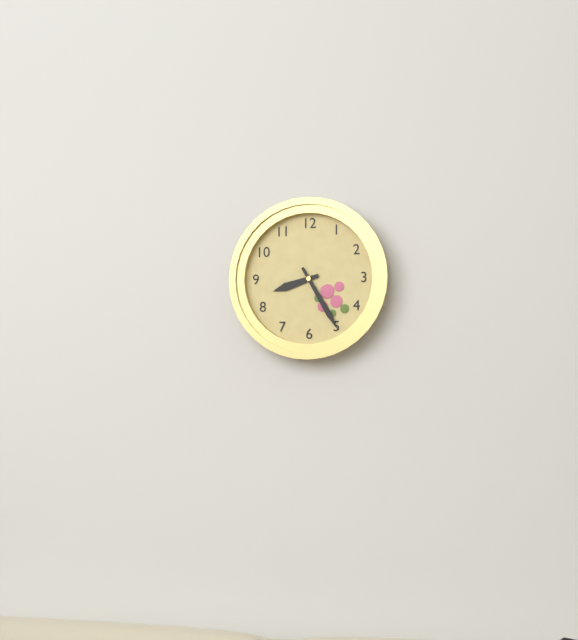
8.25
